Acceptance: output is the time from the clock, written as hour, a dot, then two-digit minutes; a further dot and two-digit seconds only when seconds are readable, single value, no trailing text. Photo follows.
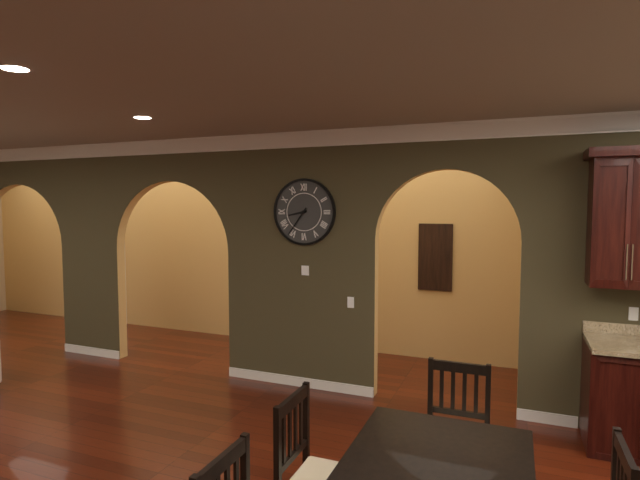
8.36
